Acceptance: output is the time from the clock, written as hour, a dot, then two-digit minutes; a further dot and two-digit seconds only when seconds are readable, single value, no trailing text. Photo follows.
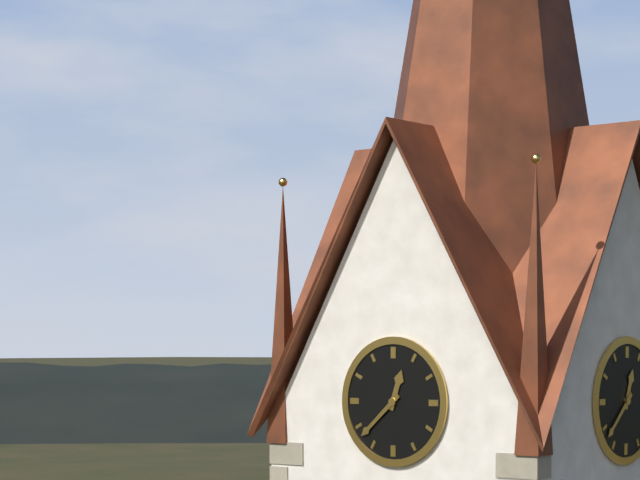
12.38
